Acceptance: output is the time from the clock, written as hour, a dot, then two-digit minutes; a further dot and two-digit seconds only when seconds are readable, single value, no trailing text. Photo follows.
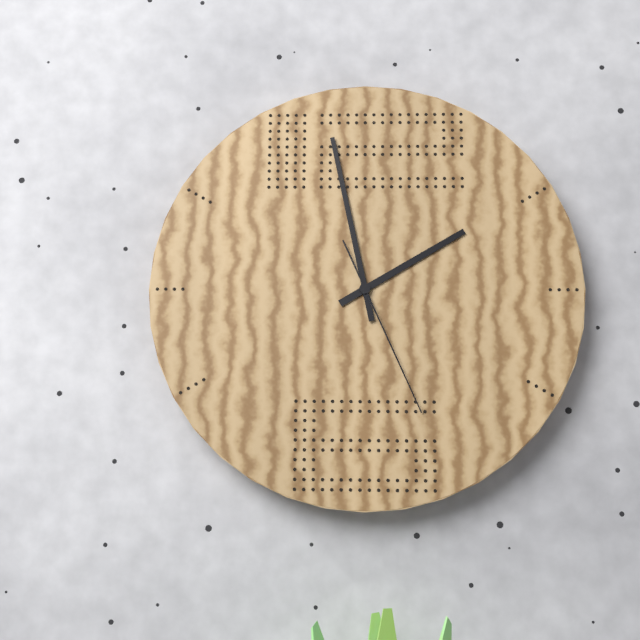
1.58.26
